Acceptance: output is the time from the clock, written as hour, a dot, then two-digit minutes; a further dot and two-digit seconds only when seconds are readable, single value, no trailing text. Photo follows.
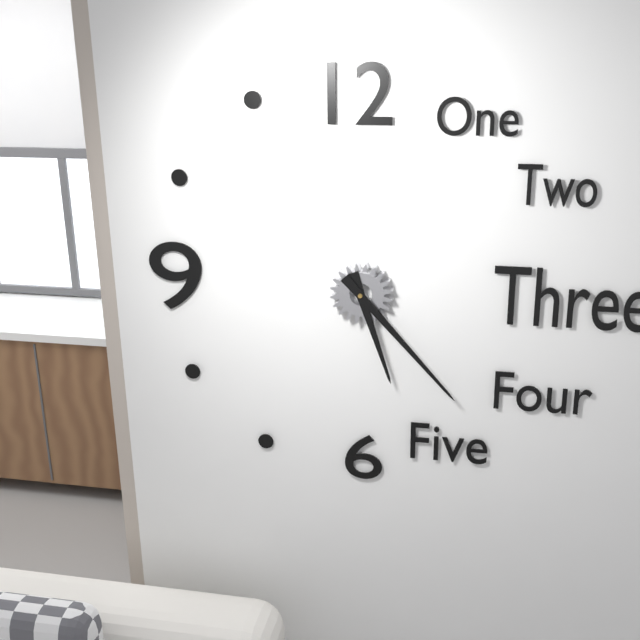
5.23
